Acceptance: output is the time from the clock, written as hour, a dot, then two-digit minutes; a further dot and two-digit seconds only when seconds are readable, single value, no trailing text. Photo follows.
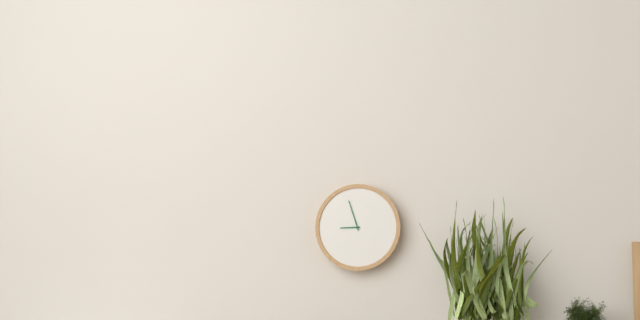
8.57
